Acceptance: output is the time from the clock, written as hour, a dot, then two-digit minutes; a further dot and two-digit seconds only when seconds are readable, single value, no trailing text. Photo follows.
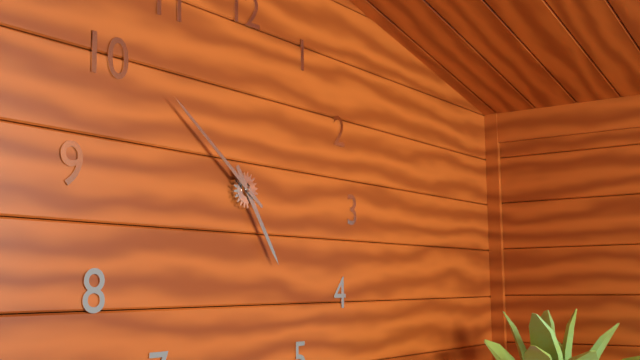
4.51
